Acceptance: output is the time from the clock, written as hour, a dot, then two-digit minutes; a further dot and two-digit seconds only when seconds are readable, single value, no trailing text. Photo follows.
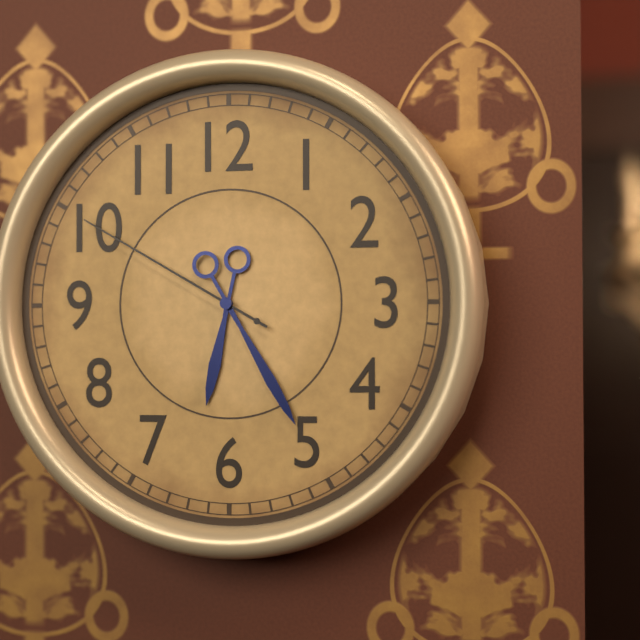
6.25.50
